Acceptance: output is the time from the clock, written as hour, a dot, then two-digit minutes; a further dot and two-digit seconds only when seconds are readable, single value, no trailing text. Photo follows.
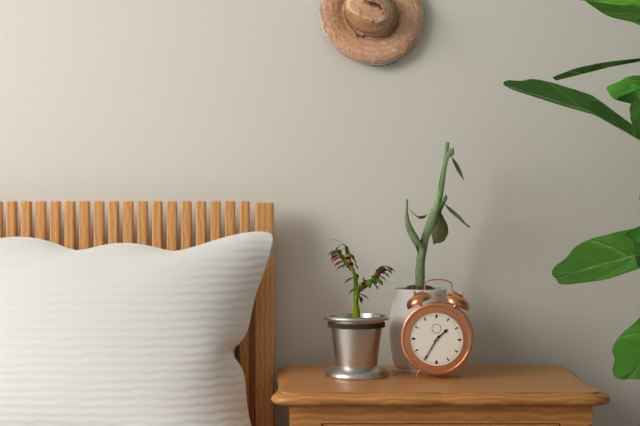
1.35
